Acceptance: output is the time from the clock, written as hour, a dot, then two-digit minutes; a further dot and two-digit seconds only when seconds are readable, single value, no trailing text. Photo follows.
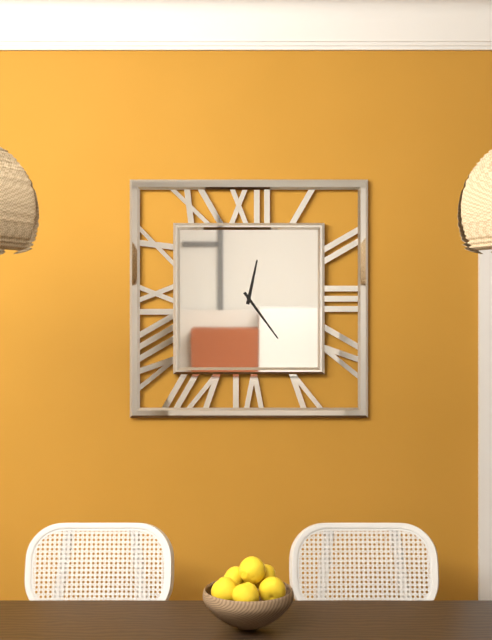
12.24
